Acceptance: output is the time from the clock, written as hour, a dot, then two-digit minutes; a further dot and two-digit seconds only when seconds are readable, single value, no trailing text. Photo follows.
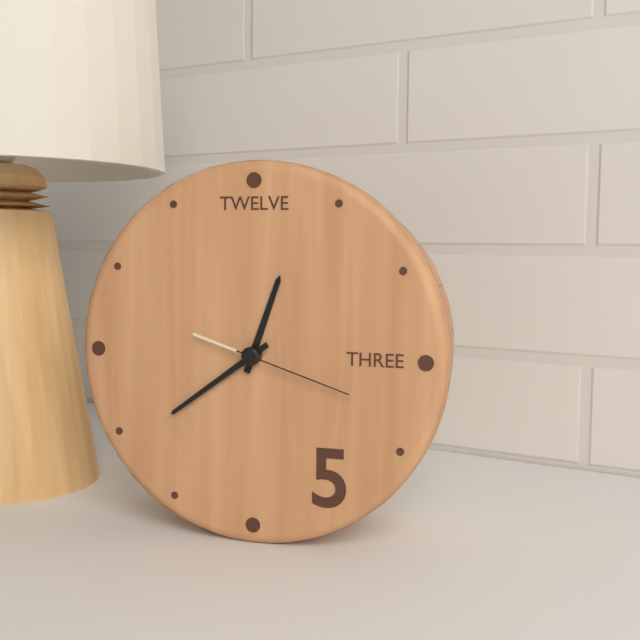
12.39.18
